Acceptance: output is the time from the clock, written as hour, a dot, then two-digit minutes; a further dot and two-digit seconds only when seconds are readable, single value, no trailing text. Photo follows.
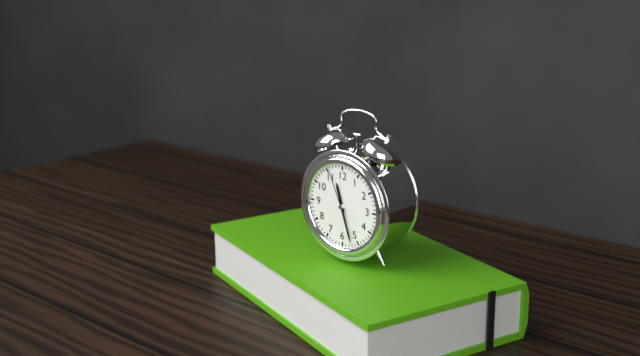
11.27
